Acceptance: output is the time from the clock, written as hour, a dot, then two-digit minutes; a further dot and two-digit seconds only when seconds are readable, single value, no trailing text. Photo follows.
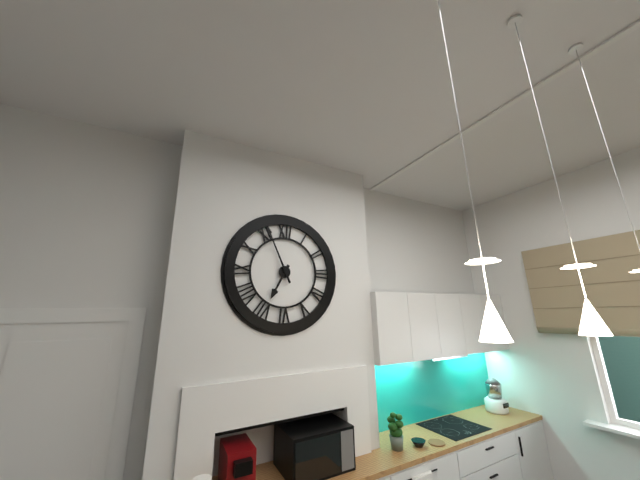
6.56
